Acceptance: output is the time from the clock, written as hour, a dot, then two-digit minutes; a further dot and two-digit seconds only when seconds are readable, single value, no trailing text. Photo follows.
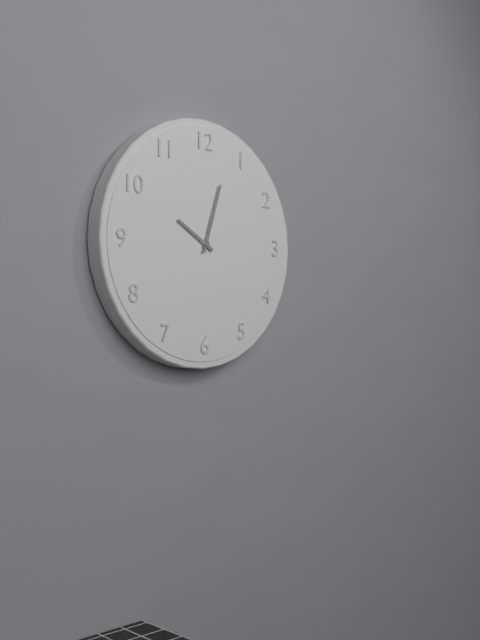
10.03
